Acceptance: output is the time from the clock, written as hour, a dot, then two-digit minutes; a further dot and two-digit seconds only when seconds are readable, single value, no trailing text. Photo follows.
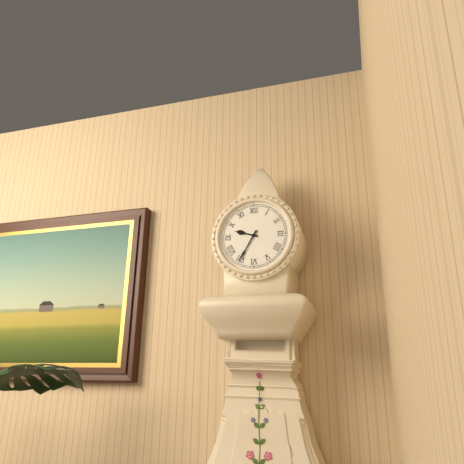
9.35
